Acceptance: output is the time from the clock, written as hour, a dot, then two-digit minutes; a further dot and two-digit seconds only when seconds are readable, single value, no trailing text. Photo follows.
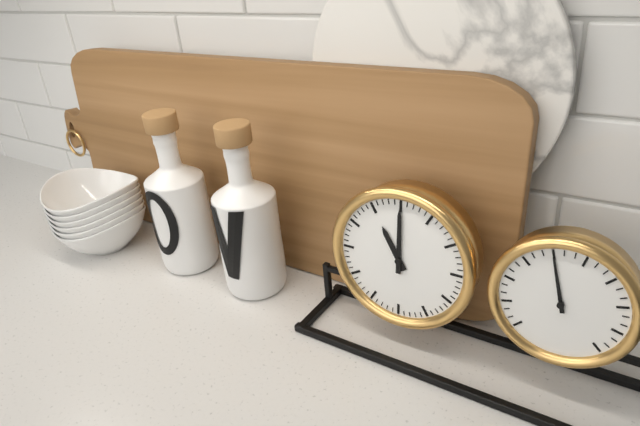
11.00
